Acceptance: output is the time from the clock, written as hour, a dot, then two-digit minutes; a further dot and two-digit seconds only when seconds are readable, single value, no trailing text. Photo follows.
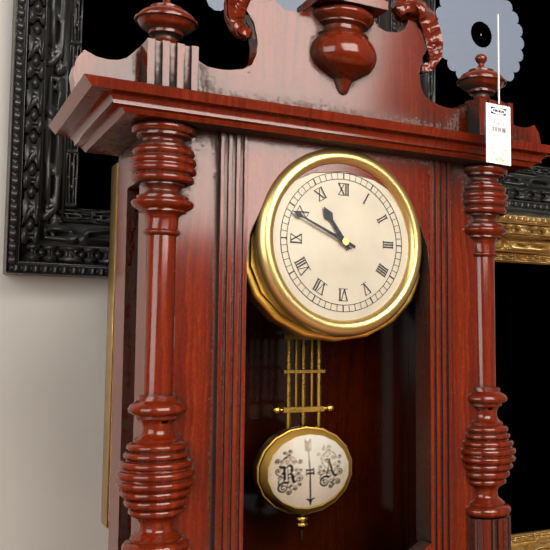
10.49
